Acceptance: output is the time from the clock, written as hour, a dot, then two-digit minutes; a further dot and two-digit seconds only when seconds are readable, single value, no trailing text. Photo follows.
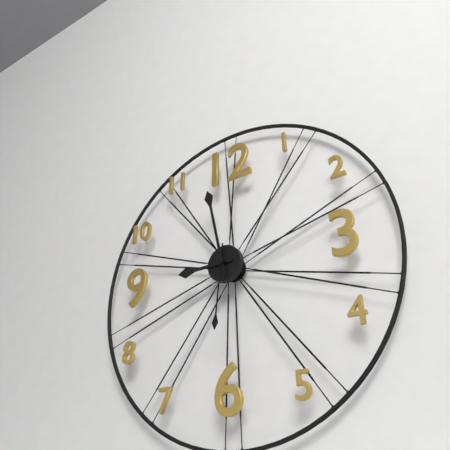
8.58.31
